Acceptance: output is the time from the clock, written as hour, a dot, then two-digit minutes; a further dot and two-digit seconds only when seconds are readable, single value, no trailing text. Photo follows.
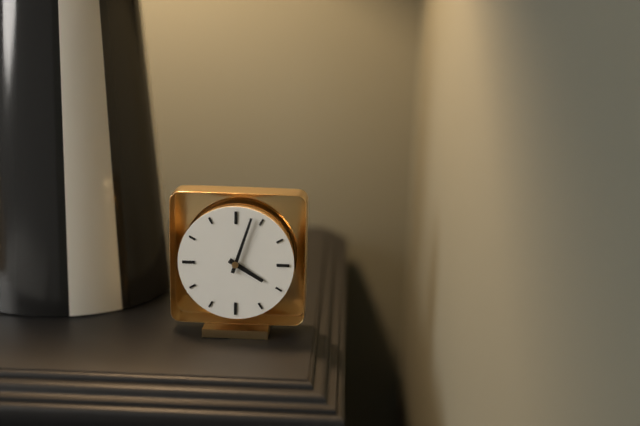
4.03
